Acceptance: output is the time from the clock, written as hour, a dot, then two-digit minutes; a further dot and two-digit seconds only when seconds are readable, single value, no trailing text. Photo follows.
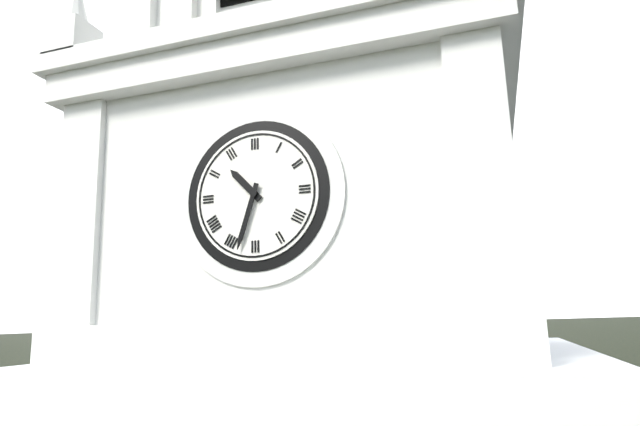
10.33
